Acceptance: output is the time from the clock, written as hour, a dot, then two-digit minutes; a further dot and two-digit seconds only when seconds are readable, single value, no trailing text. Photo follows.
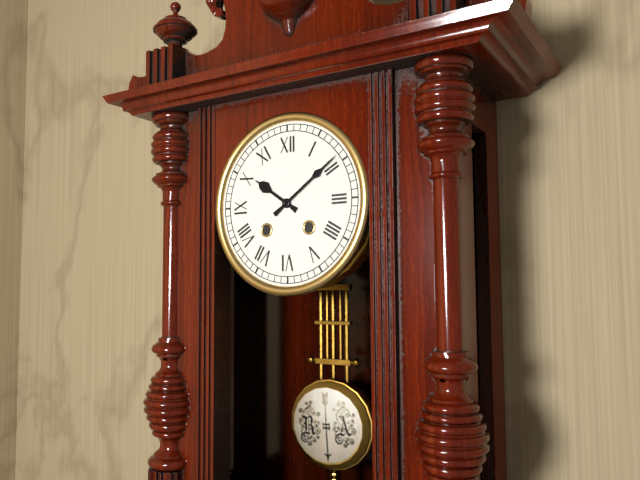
10.09
